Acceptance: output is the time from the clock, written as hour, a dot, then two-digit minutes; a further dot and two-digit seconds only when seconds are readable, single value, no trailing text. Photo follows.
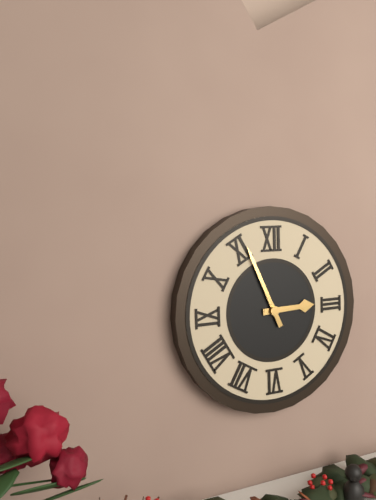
2.56
